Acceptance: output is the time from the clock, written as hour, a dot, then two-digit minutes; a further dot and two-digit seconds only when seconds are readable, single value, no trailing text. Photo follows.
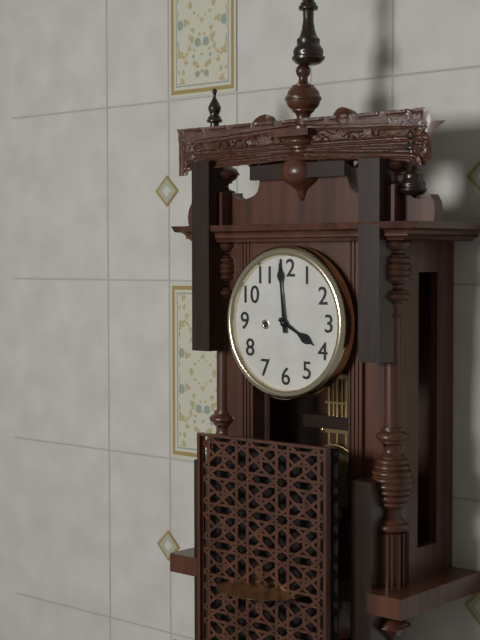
3.59
